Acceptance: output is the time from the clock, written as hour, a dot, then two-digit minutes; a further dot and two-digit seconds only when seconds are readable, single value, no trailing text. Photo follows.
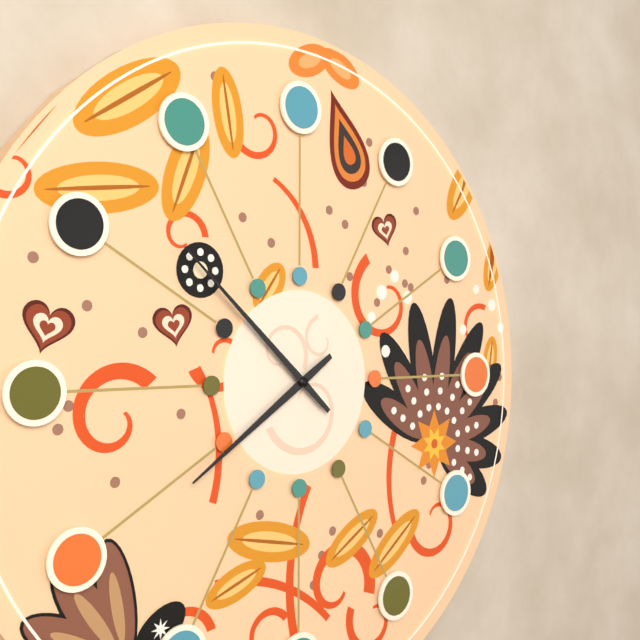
7.52
